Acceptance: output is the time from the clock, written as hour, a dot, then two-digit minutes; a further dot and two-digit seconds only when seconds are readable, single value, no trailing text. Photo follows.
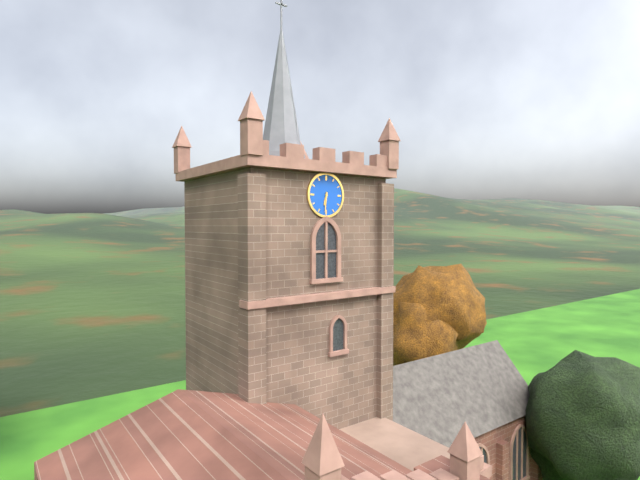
6.31
